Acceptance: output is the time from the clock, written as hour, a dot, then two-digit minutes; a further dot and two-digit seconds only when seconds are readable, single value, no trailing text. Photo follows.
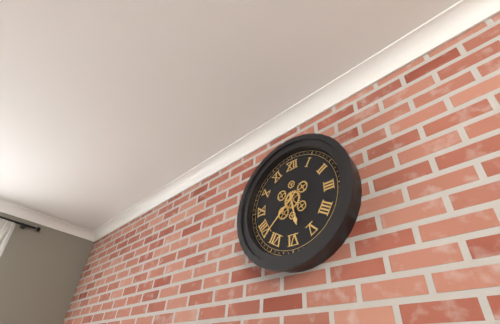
5.38
